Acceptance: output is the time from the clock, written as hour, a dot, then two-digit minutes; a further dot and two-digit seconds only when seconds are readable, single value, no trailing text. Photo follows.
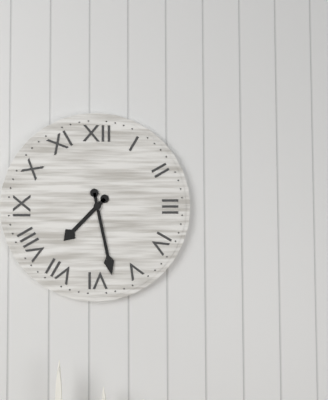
7.28
